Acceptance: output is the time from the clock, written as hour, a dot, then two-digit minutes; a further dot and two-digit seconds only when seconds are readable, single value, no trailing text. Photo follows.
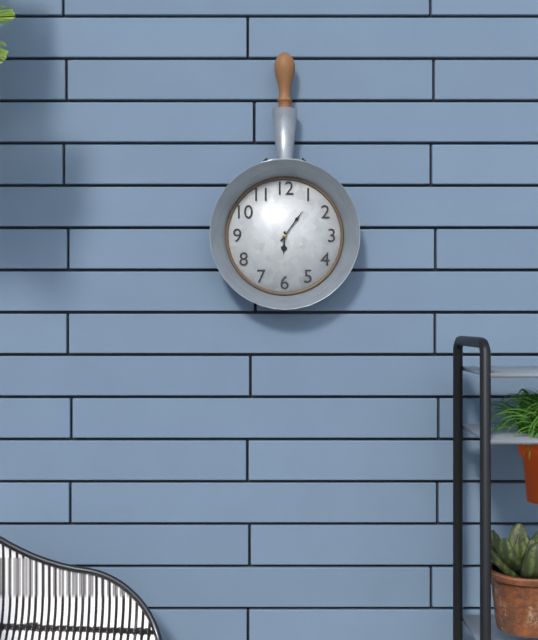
6.06
